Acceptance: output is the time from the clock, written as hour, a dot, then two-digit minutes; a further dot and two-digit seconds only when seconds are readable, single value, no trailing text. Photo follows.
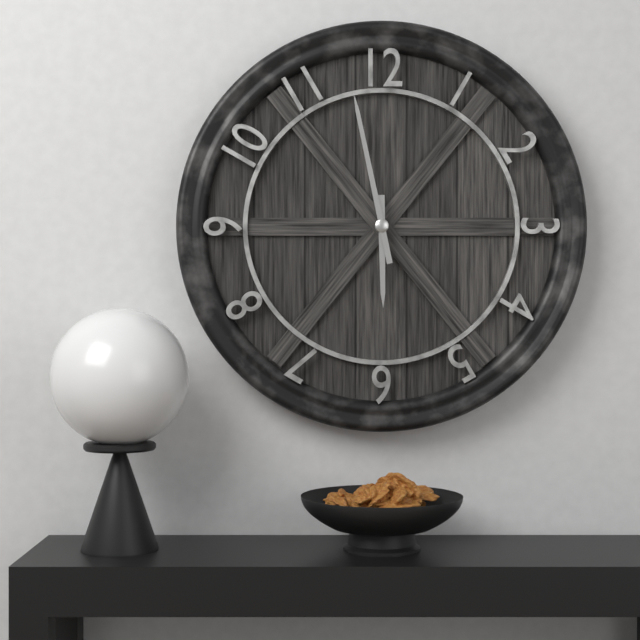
5.58
